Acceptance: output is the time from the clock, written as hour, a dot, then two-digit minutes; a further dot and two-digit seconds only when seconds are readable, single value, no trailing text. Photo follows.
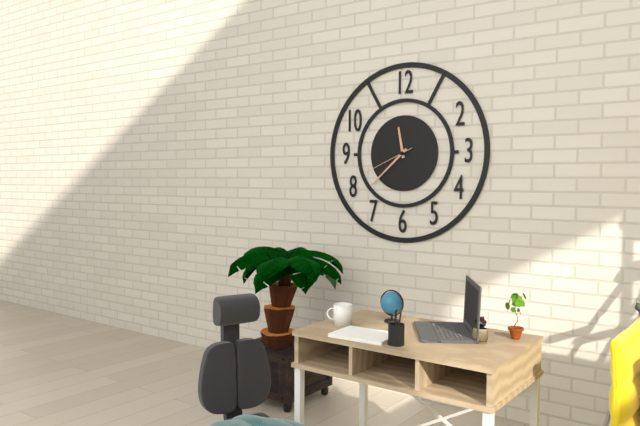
11.38.41
